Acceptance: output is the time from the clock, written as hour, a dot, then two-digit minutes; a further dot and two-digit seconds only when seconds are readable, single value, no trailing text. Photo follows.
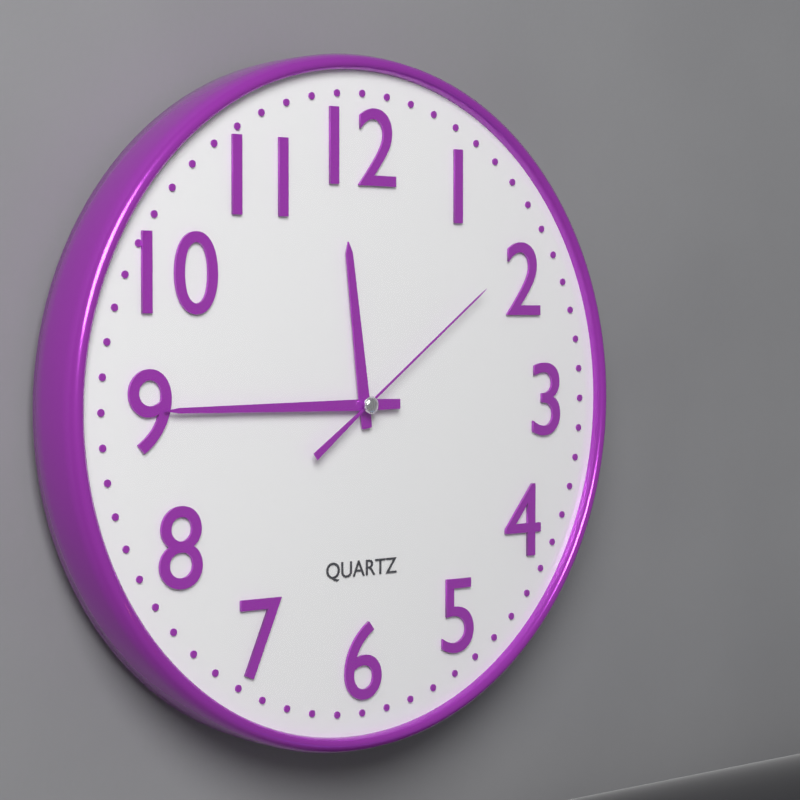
11.45.09
